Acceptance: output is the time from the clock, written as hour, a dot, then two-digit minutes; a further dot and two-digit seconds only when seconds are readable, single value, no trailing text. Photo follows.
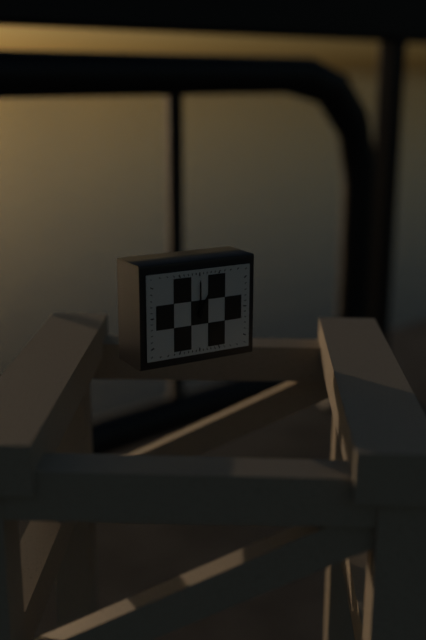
1.00
